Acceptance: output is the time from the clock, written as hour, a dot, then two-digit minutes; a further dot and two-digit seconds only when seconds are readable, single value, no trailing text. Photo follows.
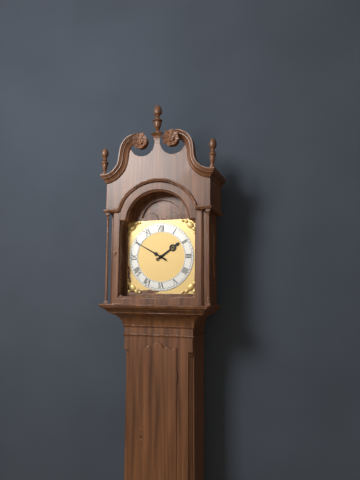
1.50
